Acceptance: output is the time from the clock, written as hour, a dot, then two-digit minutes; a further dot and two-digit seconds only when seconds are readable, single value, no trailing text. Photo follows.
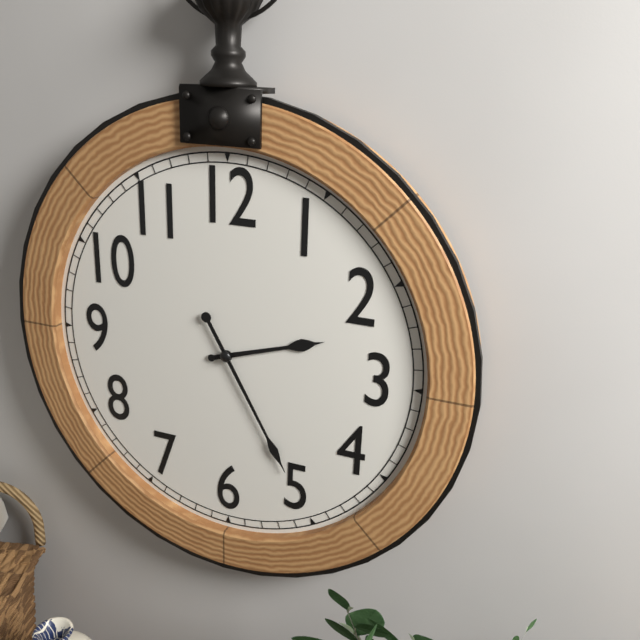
2.25
